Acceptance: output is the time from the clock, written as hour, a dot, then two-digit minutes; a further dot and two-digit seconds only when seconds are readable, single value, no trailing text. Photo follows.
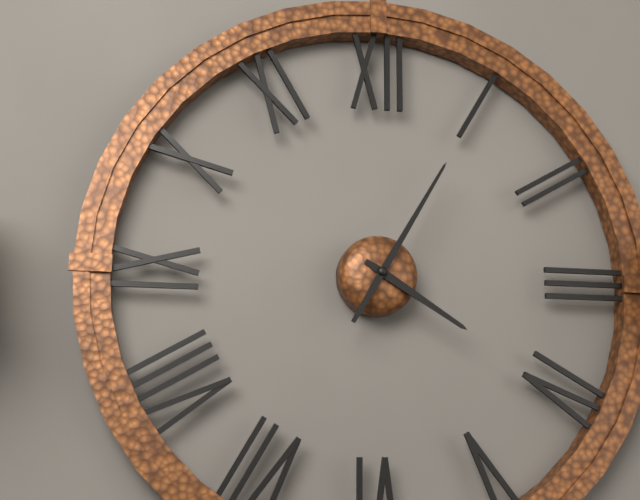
4.05
